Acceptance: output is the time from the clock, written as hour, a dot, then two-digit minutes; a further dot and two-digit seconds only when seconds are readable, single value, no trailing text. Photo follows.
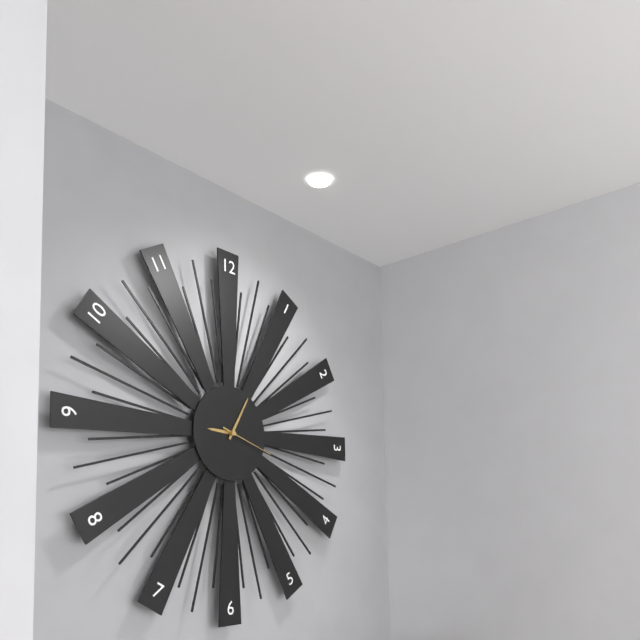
9.05.18
